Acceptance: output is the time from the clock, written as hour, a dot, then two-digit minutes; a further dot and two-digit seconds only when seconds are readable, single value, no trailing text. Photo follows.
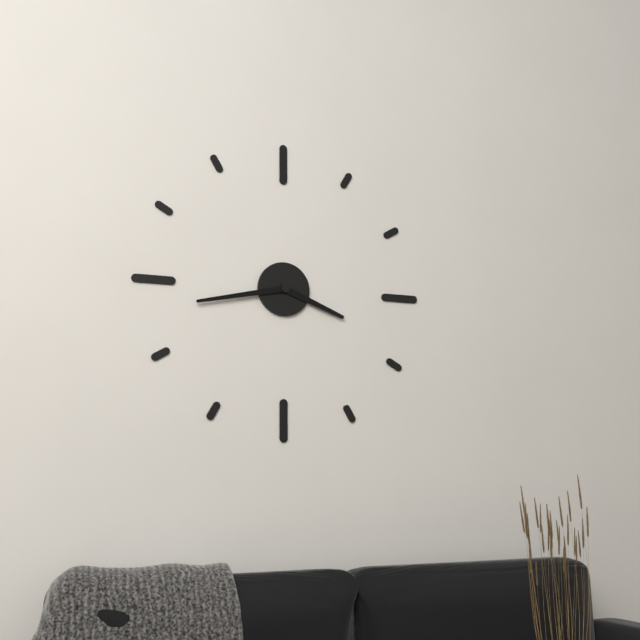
3.43
